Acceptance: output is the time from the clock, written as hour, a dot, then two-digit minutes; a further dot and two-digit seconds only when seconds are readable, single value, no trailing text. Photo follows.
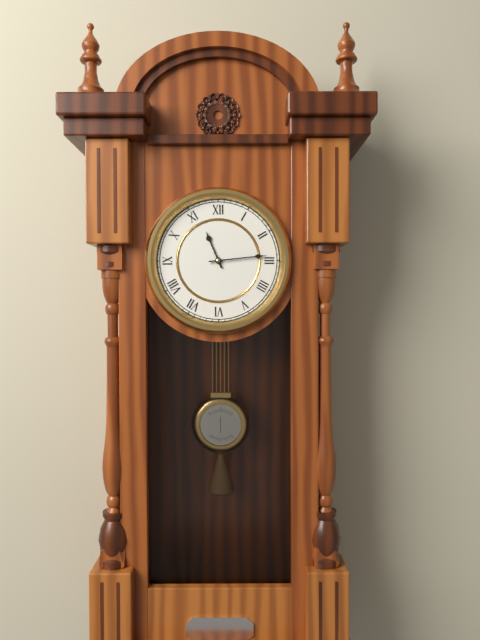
11.14
